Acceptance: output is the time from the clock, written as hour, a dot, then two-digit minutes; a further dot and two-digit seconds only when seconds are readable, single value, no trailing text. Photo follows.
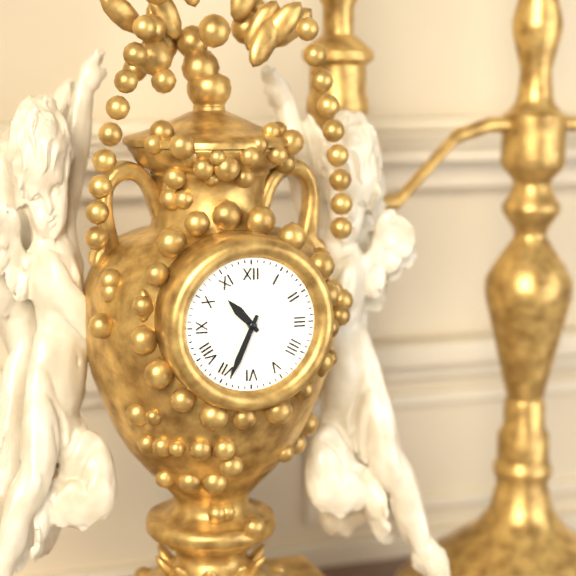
10.34
